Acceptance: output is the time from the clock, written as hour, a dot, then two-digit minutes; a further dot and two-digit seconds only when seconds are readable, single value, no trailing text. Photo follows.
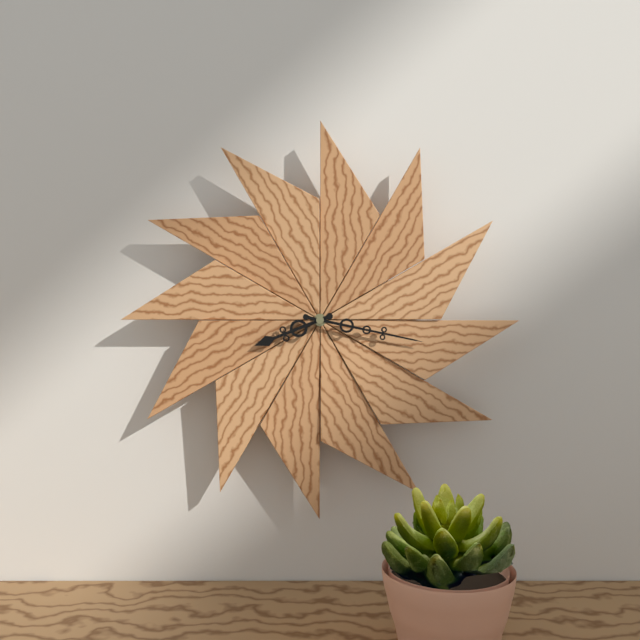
8.17
